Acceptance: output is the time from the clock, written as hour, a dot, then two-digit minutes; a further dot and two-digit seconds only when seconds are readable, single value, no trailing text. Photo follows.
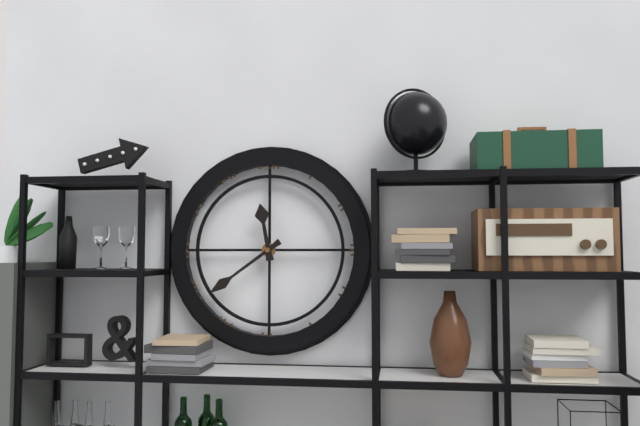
11.39
